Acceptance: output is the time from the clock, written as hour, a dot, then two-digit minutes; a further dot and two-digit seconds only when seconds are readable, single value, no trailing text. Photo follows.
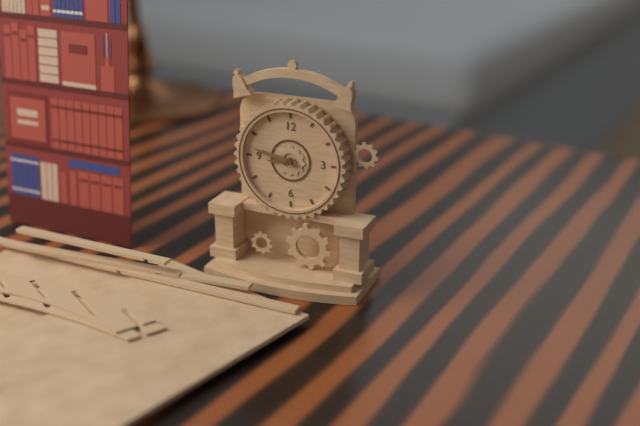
8.47
